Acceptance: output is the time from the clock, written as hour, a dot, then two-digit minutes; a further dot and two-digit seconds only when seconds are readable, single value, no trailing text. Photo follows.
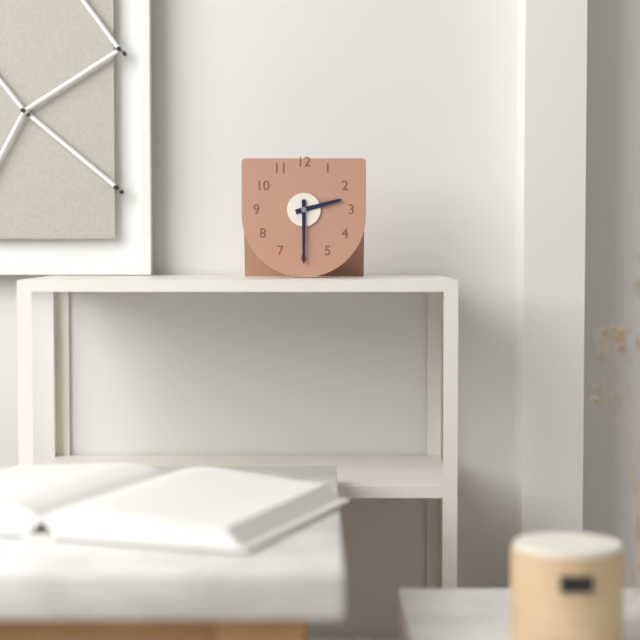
2.30
